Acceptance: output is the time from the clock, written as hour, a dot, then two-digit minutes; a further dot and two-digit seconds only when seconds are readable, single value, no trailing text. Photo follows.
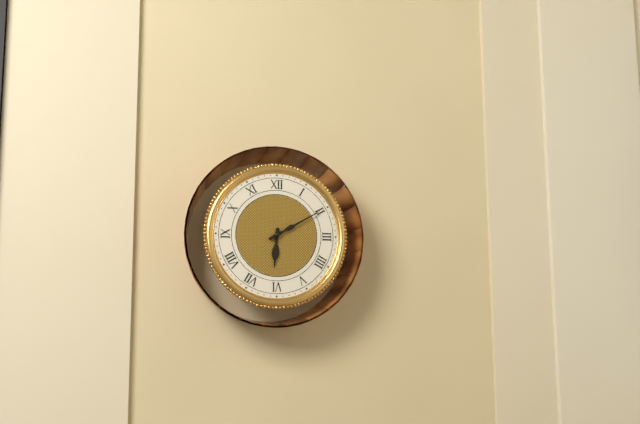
6.10
